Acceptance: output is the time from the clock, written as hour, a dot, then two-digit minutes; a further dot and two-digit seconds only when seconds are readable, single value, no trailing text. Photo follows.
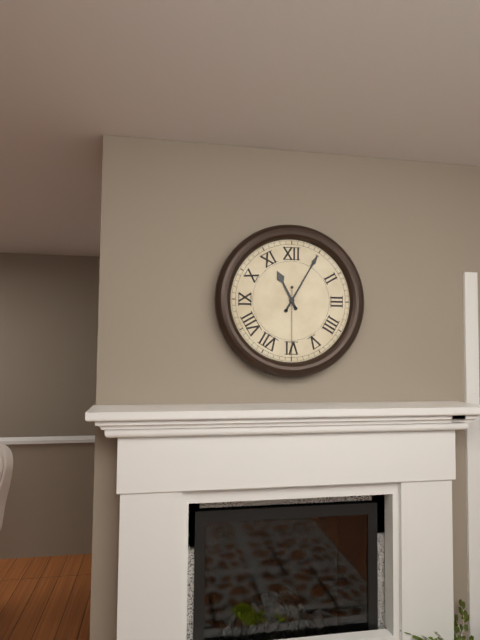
11.05.30
